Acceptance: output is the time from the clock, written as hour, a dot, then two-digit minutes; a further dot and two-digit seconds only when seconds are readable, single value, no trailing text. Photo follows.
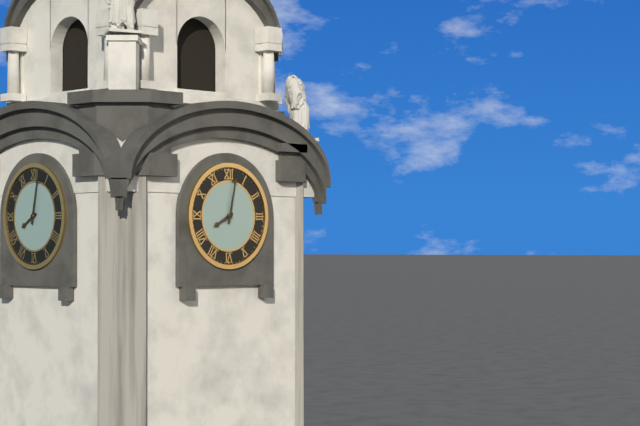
8.02
